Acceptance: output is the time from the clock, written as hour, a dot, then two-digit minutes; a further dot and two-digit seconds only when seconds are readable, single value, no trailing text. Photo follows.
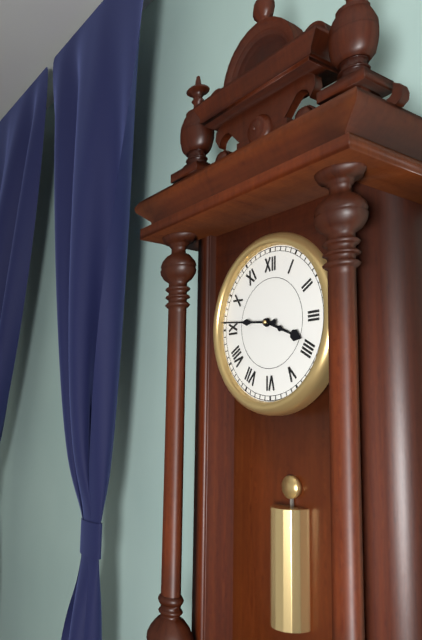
3.46
